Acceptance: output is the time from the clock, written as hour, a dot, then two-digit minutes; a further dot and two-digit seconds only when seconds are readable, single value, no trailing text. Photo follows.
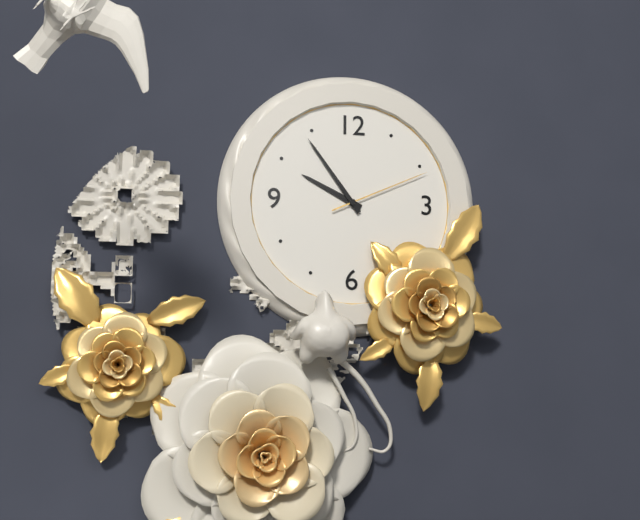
9.54.11
